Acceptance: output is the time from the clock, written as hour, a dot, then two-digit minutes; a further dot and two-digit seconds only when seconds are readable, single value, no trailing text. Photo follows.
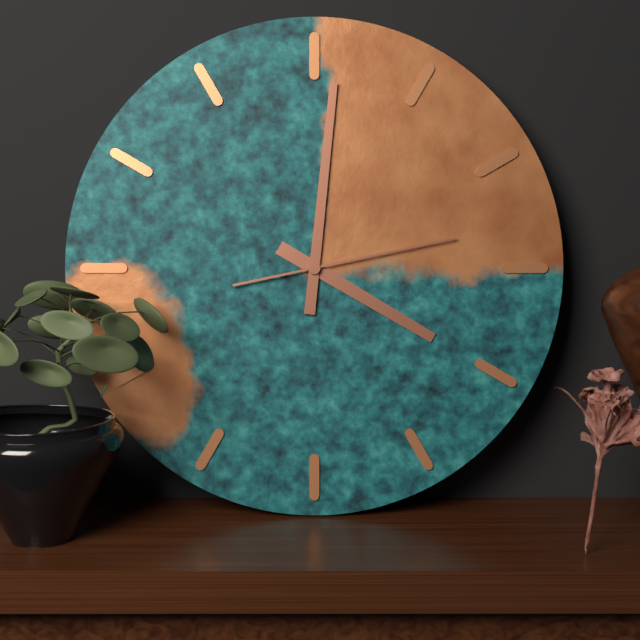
4.01.13
